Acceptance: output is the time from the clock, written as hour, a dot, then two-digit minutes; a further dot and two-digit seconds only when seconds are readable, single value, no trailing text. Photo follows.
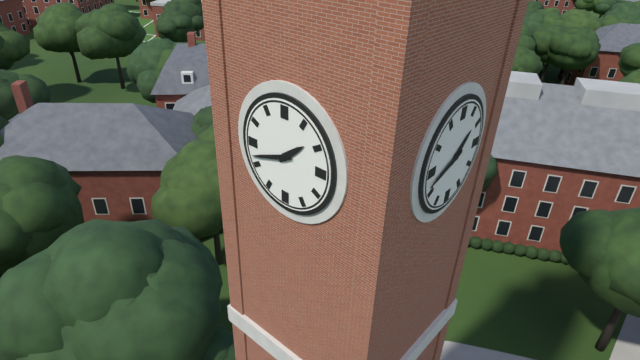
1.42
